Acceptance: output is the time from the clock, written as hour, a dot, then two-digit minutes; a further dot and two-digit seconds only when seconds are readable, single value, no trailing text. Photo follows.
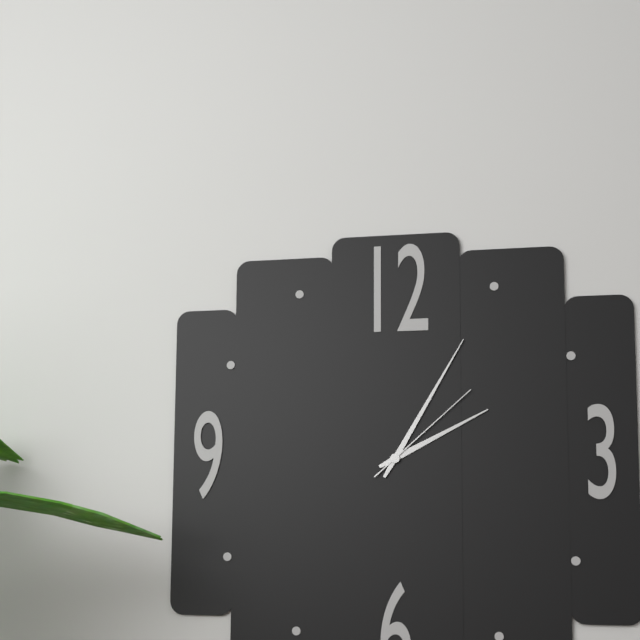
2.05.08
